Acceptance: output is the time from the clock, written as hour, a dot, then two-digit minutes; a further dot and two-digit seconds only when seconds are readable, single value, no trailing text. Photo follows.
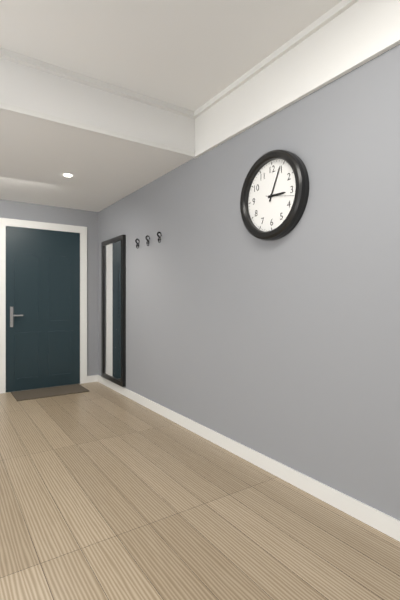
3.04
